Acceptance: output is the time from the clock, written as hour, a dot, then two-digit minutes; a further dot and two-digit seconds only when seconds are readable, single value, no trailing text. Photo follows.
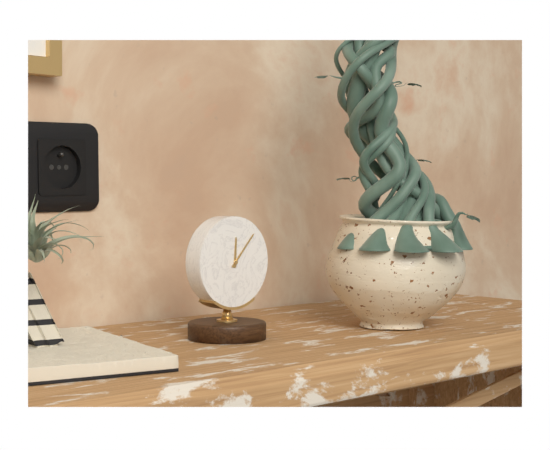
12.07
